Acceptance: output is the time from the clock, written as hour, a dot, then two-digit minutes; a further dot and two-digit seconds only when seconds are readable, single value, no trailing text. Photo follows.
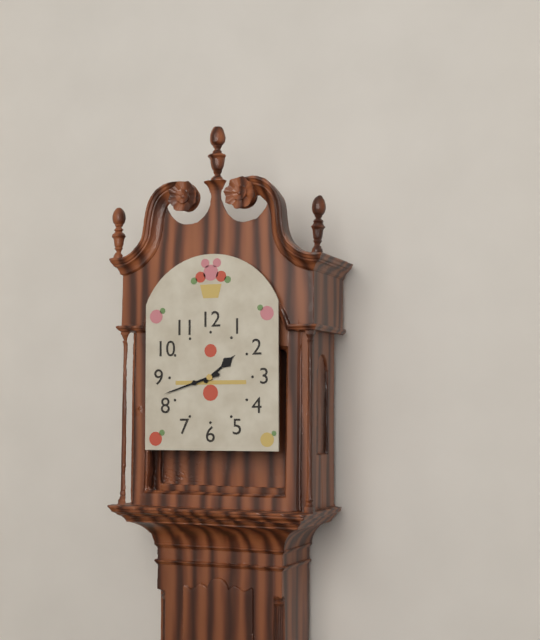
1.42
